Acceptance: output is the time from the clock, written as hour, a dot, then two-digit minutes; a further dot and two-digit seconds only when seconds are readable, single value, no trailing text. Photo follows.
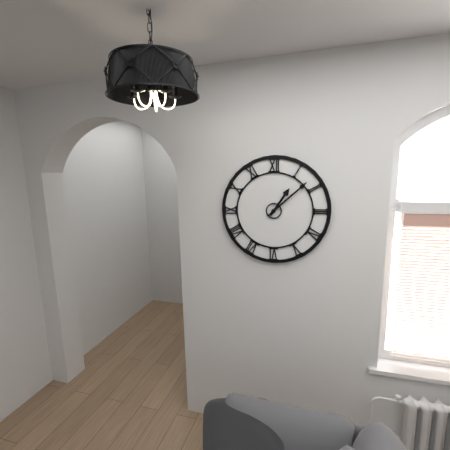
1.08
